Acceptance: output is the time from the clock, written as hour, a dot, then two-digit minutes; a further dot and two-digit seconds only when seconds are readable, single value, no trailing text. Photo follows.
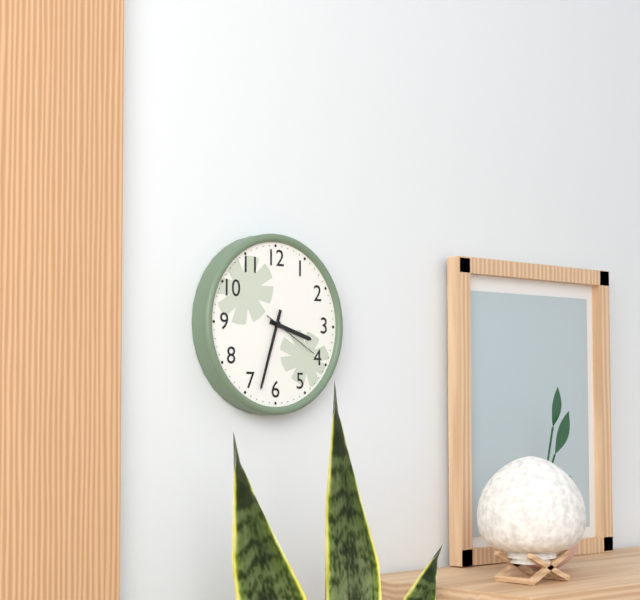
3.33.20
